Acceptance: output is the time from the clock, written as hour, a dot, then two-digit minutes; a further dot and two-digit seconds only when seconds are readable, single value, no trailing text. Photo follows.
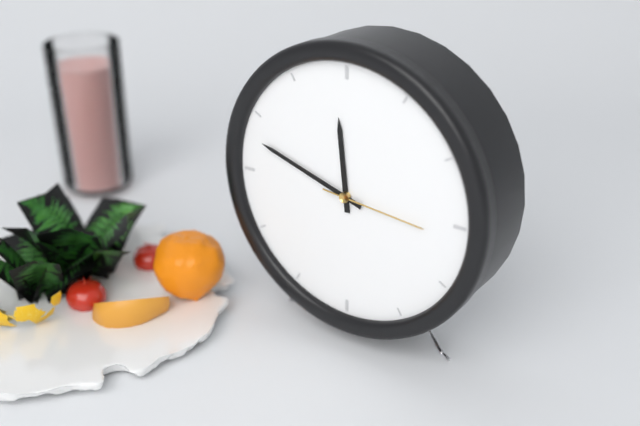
11.48.16
